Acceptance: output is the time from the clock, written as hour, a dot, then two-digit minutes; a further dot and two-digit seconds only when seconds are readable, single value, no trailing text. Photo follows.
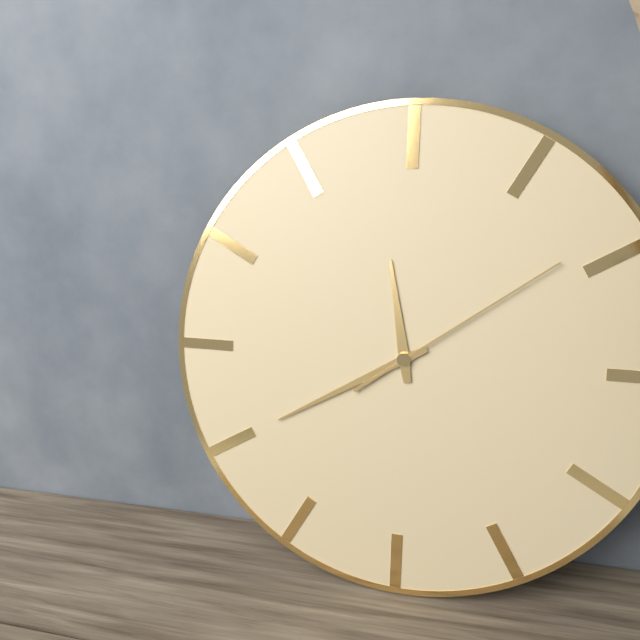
11.40.09
